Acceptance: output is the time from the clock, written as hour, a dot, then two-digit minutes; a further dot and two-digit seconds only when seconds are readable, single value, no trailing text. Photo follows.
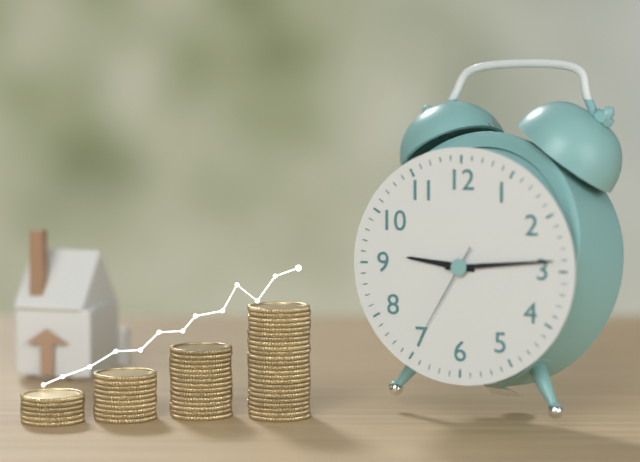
9.14.35
